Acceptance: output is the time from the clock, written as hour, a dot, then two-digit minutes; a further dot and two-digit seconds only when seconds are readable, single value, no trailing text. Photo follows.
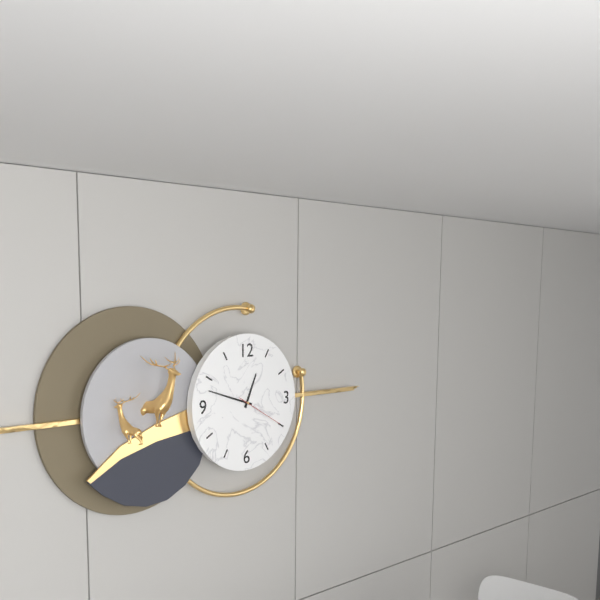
12.48
